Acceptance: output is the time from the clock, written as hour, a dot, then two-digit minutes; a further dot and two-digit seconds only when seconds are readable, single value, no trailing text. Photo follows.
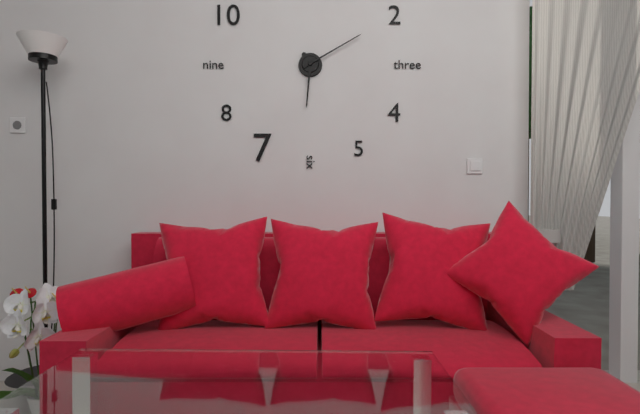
6.10
